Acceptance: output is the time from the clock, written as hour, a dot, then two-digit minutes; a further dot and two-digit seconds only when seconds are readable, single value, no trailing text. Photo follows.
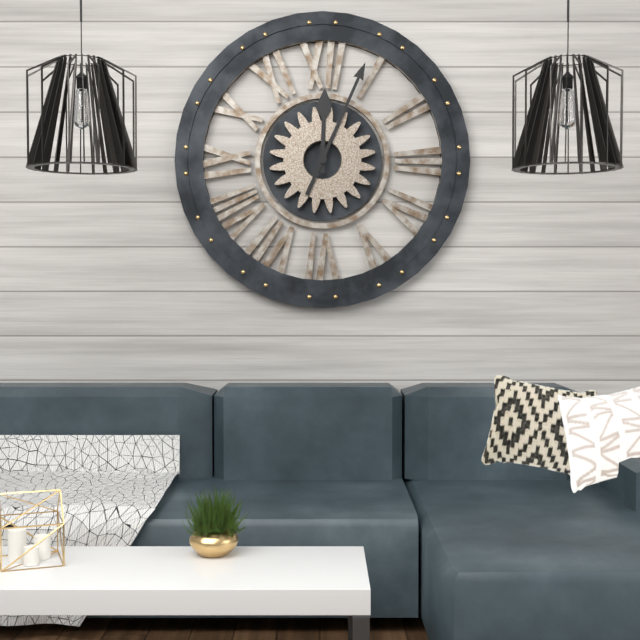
12.04
